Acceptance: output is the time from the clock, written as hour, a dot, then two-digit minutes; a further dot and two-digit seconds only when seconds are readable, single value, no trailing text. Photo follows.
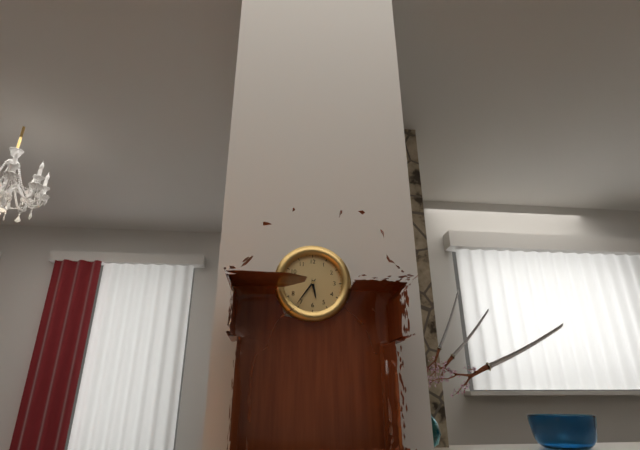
5.36
